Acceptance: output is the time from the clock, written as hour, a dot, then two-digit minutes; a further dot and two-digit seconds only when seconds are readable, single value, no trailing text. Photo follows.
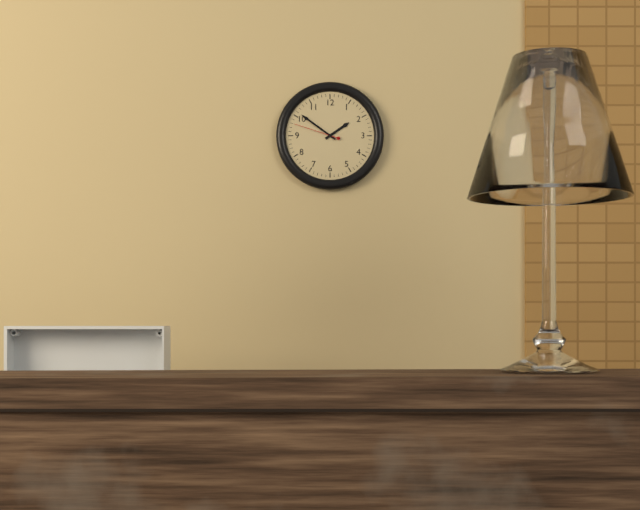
1.51
